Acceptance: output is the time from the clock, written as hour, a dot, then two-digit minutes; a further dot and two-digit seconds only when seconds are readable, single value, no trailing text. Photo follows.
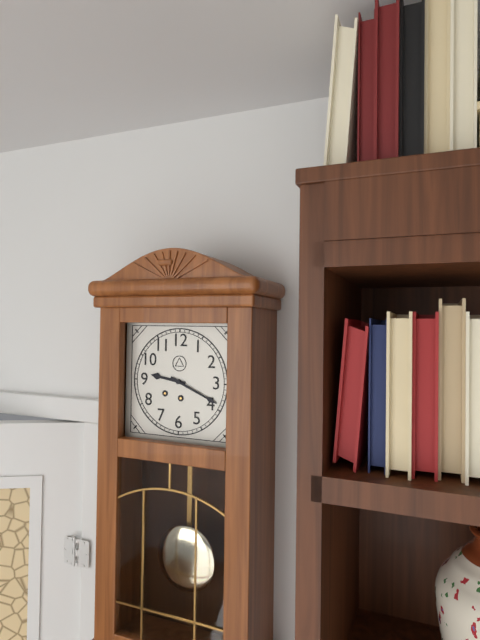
9.19
